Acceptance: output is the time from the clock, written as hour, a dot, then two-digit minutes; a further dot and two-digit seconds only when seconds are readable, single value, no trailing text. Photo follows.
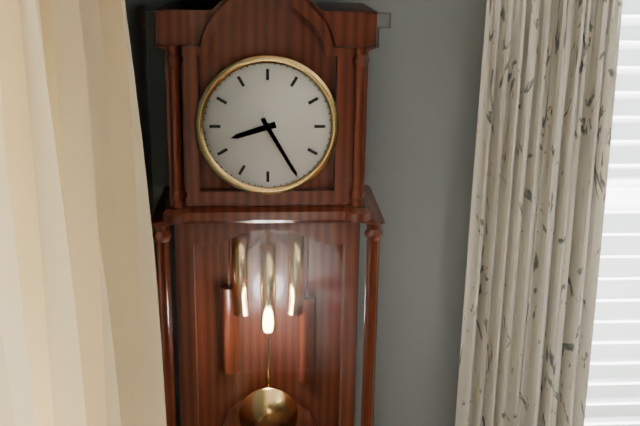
8.25
